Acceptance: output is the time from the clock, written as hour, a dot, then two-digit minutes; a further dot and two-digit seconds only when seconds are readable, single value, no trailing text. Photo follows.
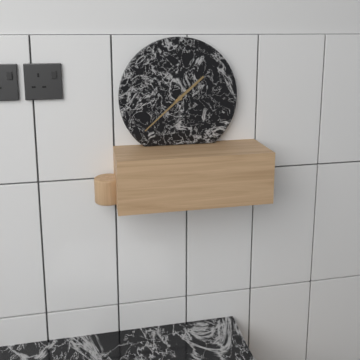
1.38
